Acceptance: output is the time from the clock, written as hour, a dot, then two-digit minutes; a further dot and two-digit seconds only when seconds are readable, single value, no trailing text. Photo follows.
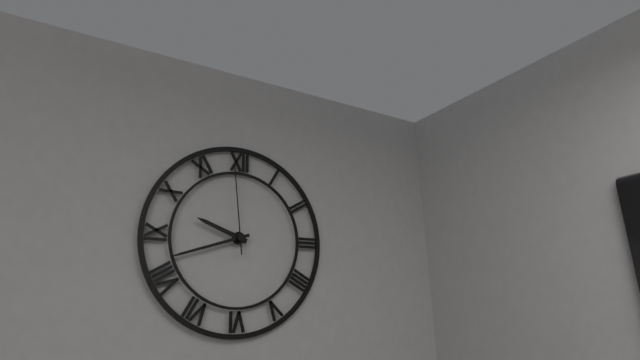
9.42.59
